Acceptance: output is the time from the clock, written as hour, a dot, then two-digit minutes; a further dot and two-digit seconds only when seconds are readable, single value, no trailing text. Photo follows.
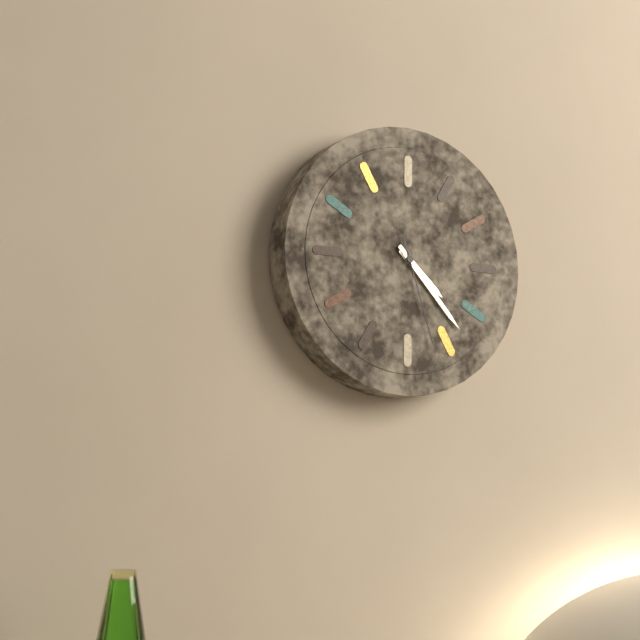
4.23.27
